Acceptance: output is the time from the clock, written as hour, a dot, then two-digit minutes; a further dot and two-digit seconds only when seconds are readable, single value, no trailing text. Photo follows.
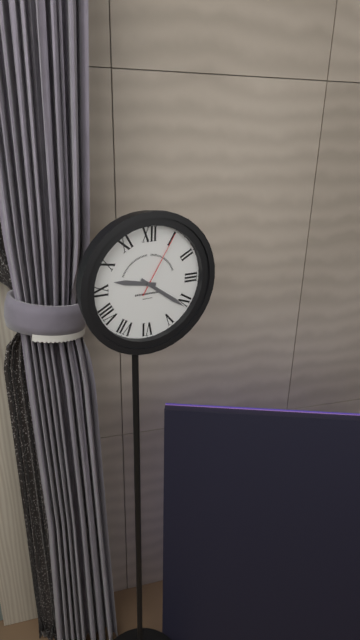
9.21.05
